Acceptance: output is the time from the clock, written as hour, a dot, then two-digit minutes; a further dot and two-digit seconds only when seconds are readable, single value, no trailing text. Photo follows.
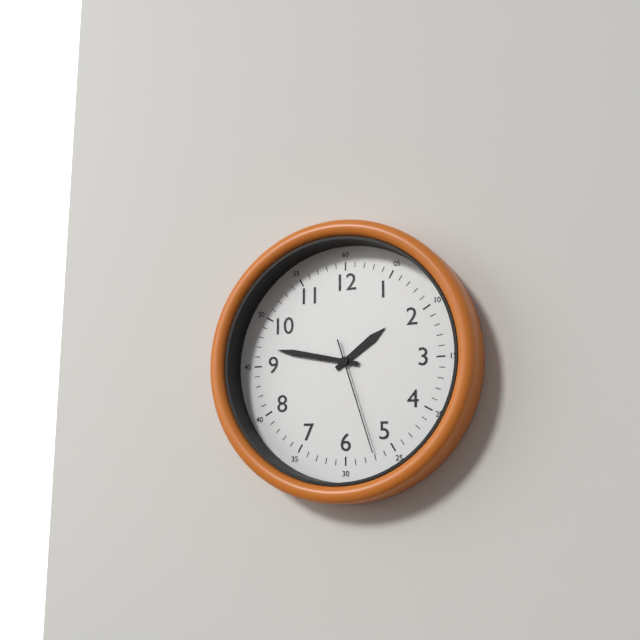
1.47.27
